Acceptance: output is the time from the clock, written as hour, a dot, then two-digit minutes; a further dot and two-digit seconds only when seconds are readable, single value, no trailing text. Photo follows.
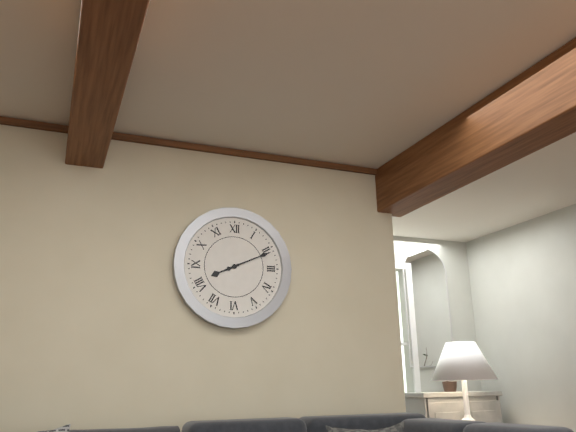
8.11
